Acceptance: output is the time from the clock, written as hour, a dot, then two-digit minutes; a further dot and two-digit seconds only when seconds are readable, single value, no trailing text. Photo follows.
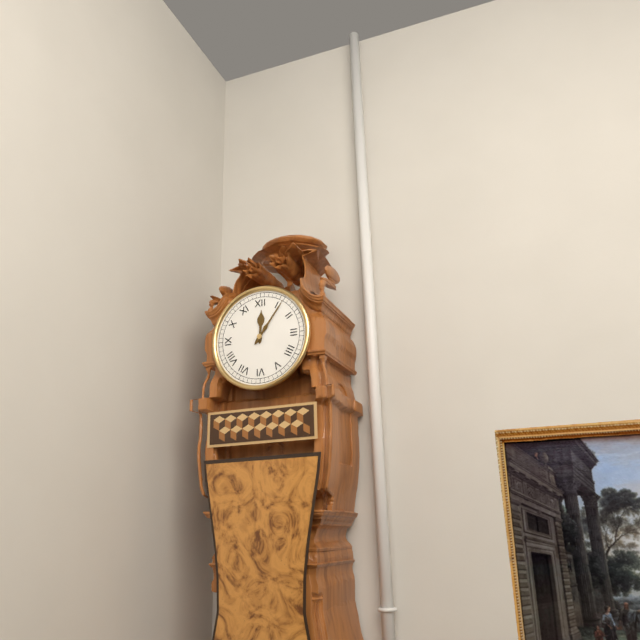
12.06
